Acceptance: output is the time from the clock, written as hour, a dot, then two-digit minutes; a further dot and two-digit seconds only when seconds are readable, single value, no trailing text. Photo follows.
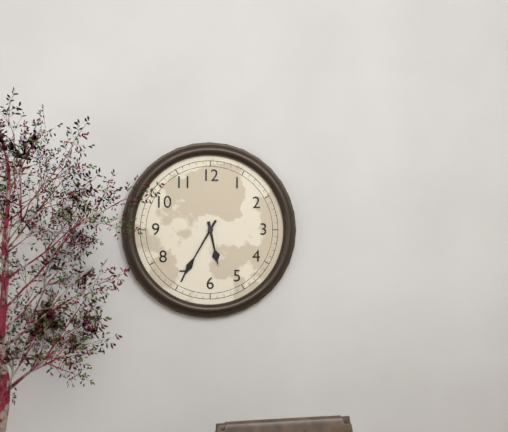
5.35
